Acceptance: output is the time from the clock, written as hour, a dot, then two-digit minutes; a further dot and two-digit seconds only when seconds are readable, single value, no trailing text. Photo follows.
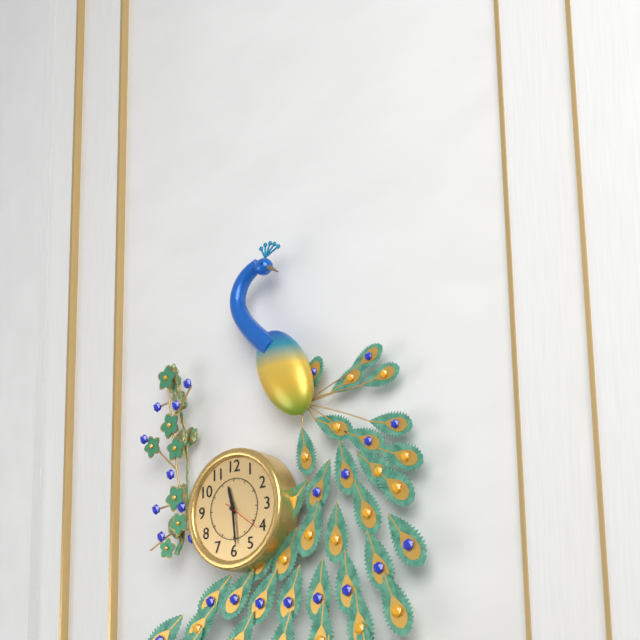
11.29
